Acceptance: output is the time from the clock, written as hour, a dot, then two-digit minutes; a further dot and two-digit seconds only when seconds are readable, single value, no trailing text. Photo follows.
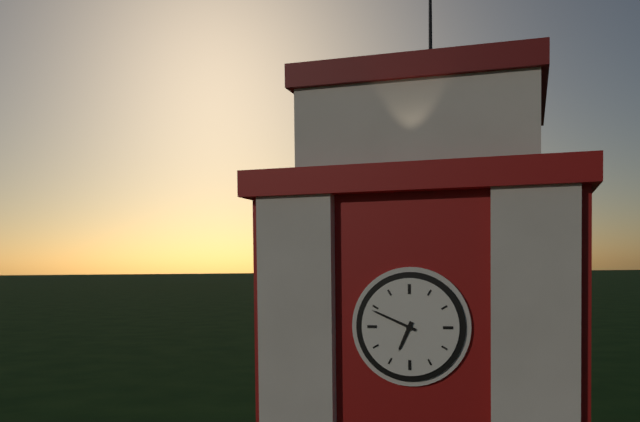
6.49
